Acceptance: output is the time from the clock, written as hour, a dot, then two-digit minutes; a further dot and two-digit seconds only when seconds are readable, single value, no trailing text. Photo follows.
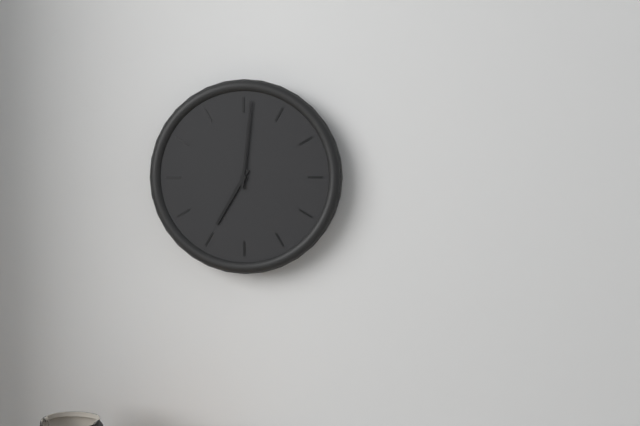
7.01
